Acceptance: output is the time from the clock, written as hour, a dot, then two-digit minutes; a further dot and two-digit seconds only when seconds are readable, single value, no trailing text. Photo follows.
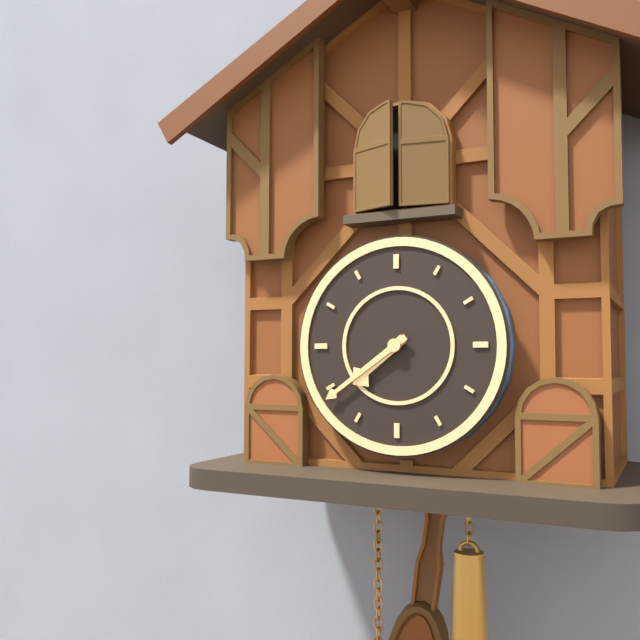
7.39
